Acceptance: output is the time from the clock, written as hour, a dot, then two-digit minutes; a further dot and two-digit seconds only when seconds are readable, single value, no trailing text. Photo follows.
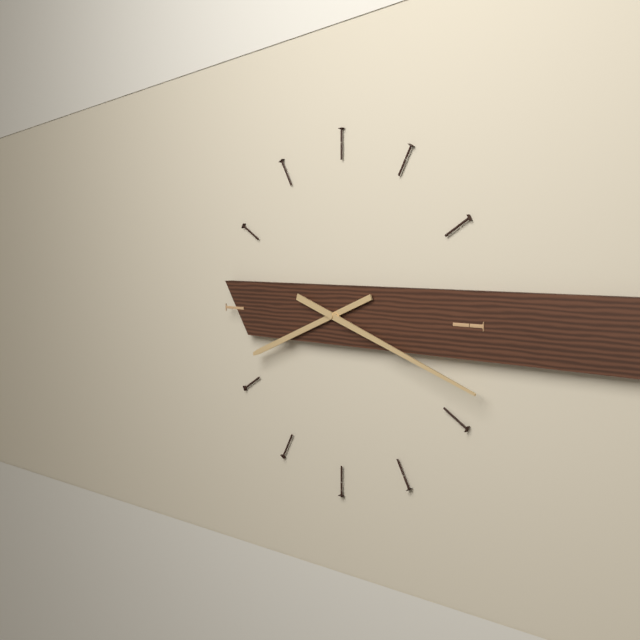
8.18
